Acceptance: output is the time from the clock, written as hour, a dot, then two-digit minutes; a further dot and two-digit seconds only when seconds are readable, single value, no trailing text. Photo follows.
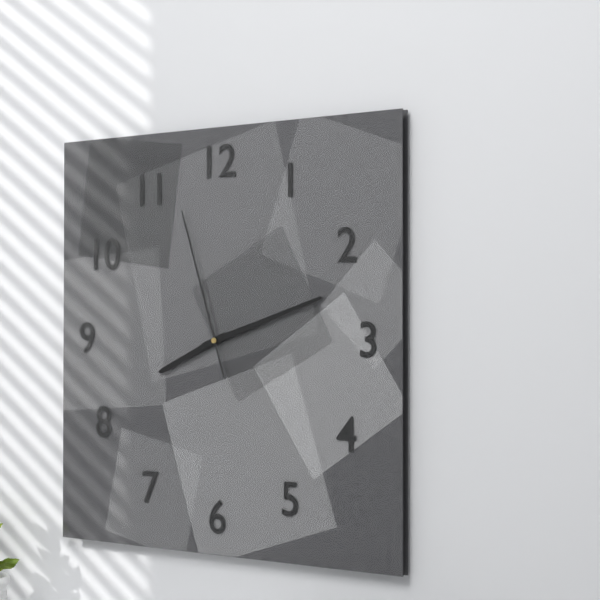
8.12.57
